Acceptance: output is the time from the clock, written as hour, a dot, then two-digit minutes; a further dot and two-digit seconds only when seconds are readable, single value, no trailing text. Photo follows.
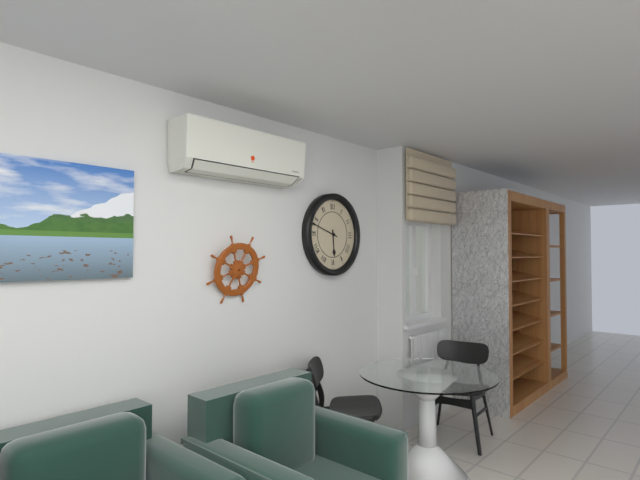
5.48
